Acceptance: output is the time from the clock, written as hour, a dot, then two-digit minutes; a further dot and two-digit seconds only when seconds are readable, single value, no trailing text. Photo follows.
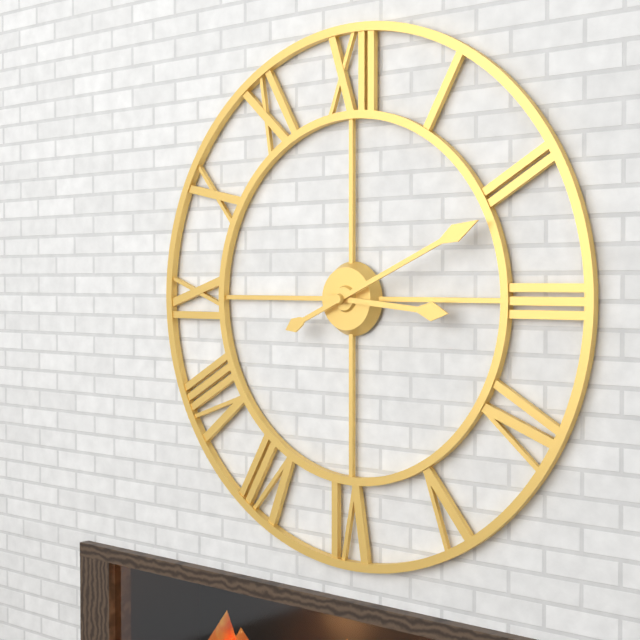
3.11
